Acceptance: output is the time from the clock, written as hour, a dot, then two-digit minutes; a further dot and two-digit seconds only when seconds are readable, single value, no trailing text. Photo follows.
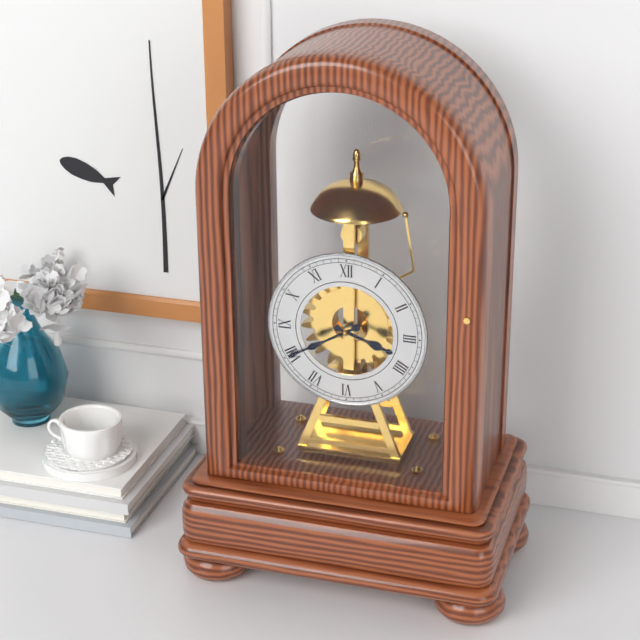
3.40
